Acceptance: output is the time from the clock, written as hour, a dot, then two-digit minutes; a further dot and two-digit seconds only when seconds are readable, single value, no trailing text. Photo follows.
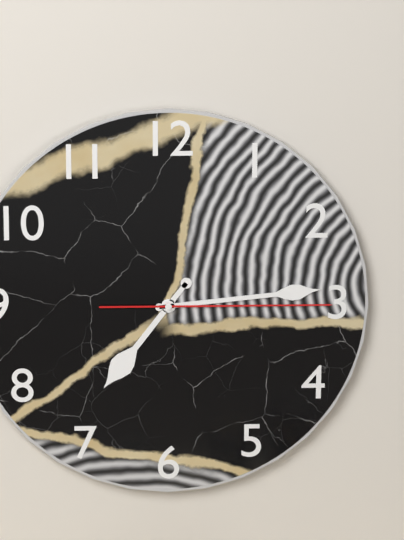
7.14.15
